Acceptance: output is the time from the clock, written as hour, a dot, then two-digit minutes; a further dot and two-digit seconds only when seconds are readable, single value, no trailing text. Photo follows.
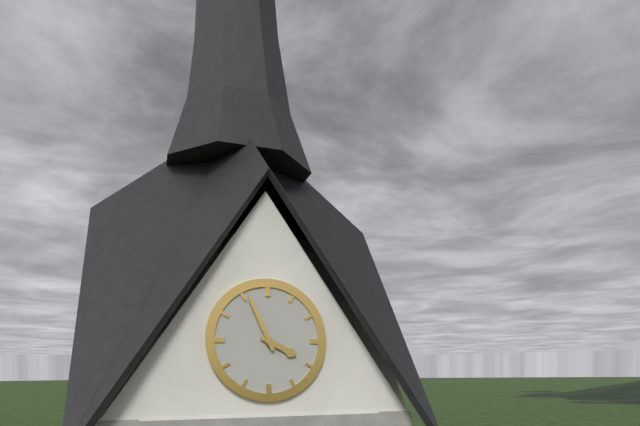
3.56
